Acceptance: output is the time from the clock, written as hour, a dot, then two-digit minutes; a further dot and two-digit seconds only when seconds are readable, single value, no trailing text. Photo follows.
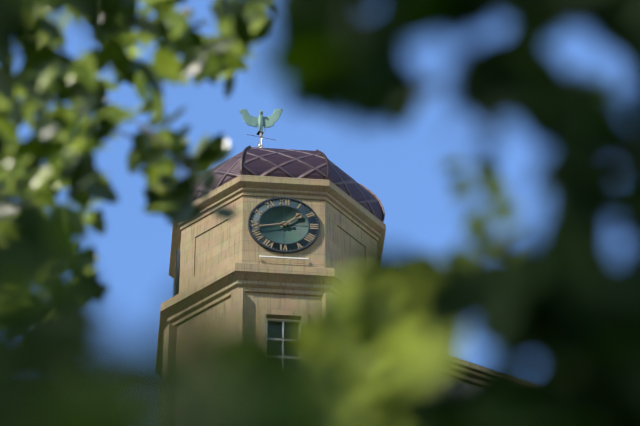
1.43
